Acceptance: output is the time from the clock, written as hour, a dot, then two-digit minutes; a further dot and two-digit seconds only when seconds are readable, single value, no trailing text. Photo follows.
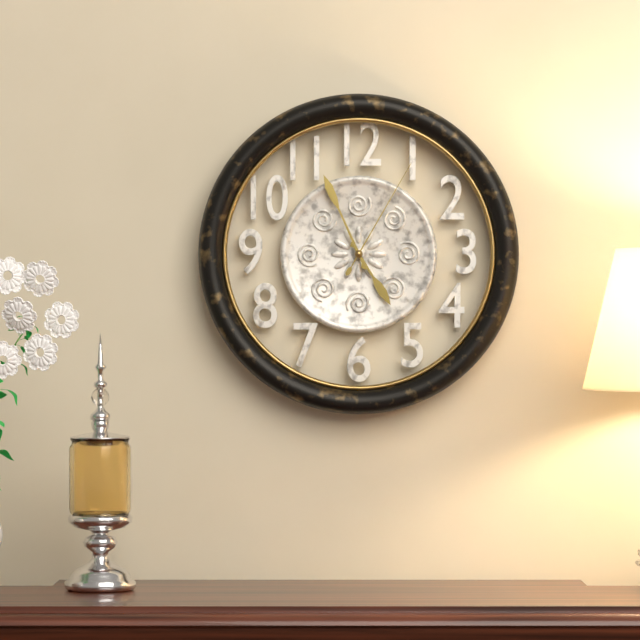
4.56.05
